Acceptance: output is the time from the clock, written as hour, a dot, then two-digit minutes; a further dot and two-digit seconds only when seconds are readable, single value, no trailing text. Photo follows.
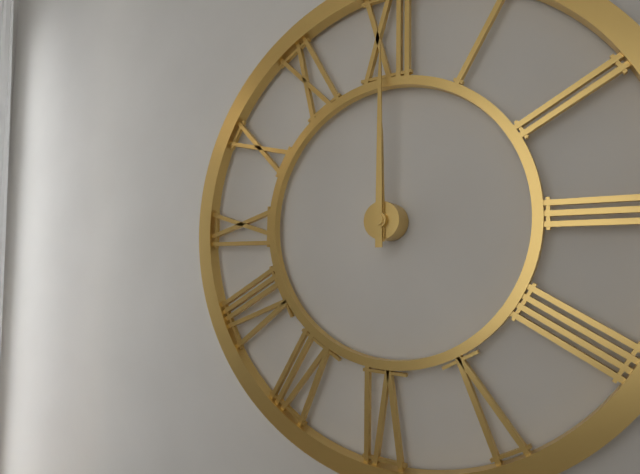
12.00
